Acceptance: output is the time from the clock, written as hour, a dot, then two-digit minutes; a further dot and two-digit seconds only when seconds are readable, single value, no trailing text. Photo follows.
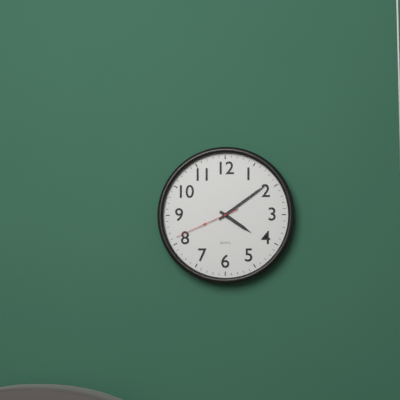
4.09.41
